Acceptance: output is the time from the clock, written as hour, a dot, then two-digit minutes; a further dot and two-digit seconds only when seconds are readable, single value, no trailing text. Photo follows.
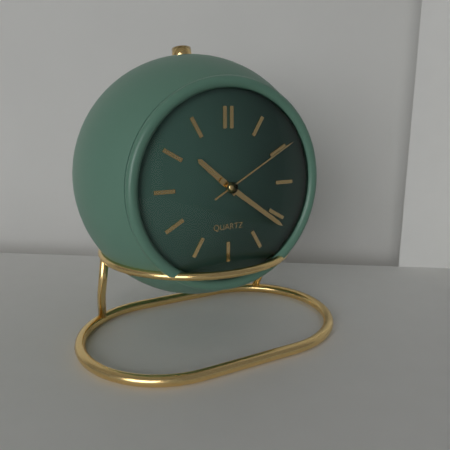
10.21.10
